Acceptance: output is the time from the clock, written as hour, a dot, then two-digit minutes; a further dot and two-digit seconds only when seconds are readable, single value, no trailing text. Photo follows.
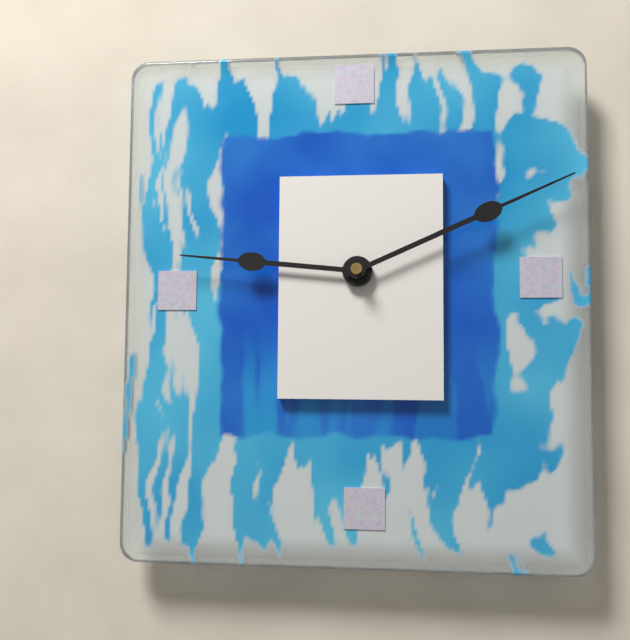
9.11
